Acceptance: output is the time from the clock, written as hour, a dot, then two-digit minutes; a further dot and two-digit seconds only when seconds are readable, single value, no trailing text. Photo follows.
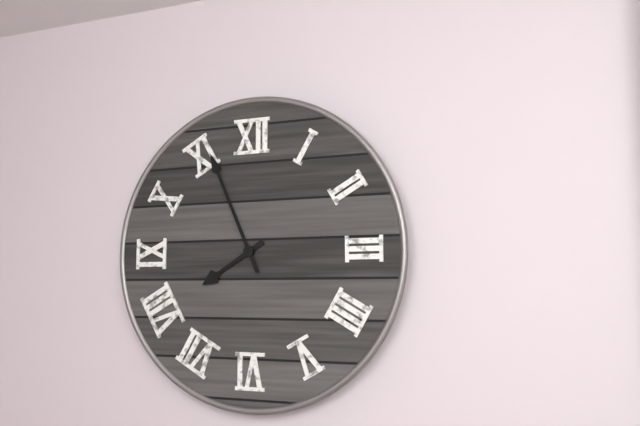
7.56
